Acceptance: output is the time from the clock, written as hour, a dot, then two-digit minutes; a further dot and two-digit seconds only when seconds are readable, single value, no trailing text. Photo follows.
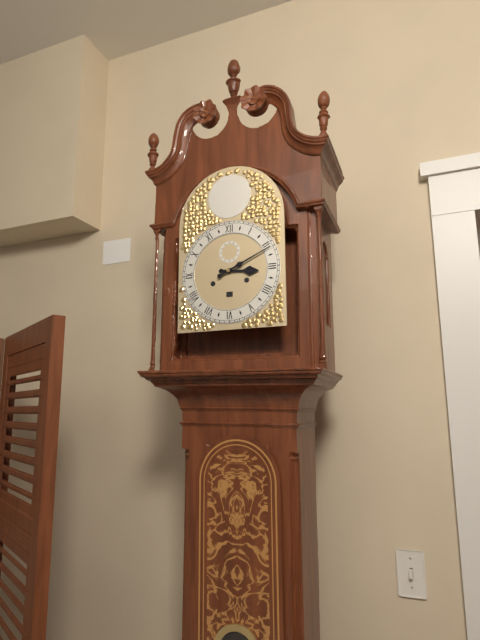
3.11
